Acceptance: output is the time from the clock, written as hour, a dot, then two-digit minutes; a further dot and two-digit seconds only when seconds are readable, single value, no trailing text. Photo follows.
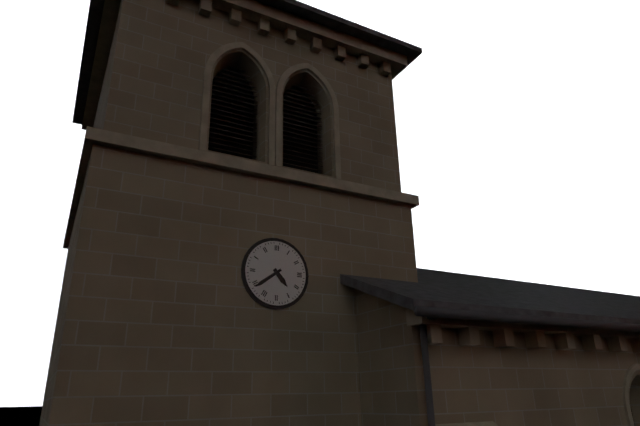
4.39
